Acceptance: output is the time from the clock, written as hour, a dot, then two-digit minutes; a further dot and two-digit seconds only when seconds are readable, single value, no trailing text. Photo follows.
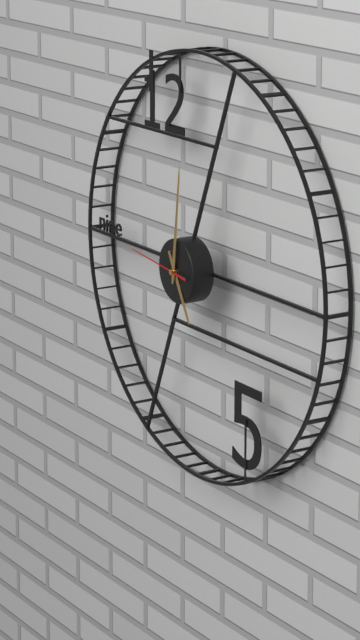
5.01.46
